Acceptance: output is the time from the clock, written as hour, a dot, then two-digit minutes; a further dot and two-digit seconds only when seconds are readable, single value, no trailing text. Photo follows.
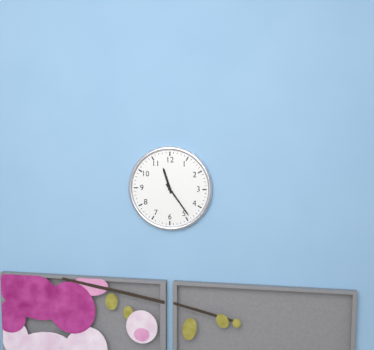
11.24
